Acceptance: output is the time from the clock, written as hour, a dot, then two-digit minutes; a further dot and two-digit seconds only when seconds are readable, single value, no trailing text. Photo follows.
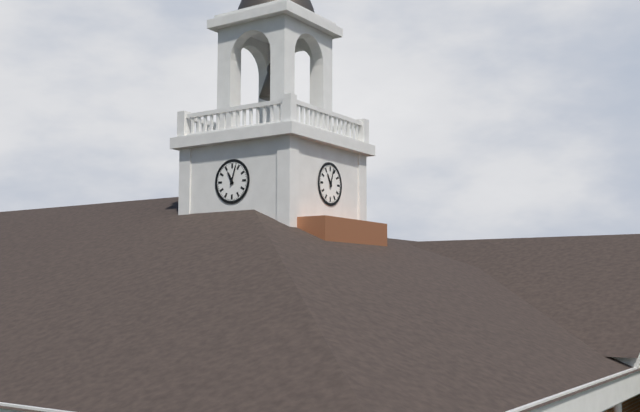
11.03
